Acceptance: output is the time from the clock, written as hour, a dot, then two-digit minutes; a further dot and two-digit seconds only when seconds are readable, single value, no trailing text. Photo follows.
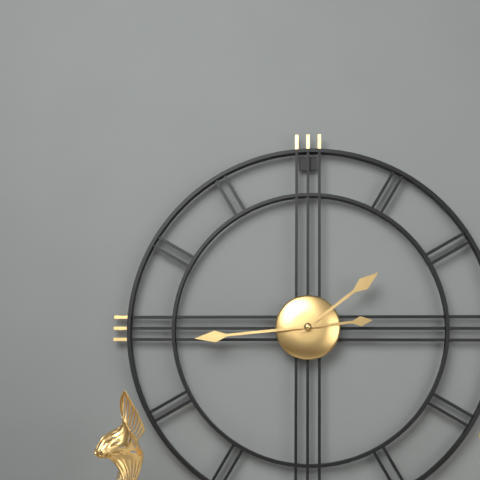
1.44
